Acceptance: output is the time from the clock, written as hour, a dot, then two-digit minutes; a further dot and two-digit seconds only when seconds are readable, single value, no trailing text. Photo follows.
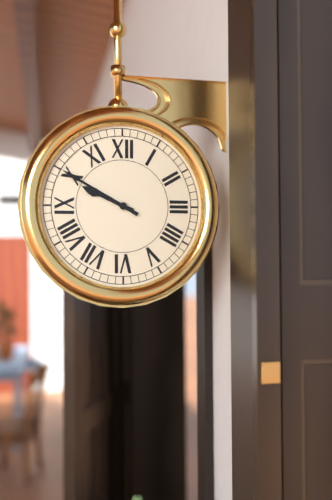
9.50
